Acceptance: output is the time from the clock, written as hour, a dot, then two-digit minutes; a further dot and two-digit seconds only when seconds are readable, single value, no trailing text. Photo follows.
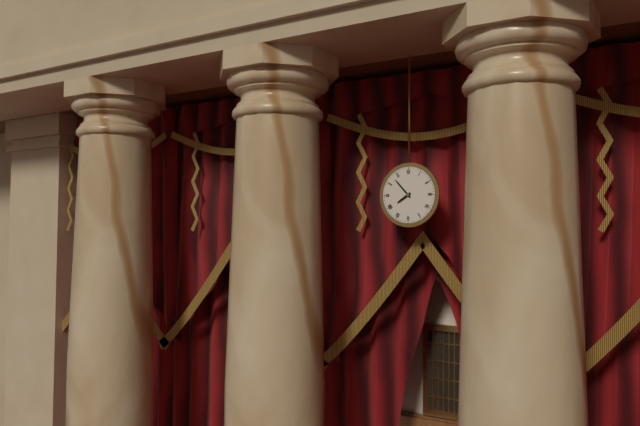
7.53
